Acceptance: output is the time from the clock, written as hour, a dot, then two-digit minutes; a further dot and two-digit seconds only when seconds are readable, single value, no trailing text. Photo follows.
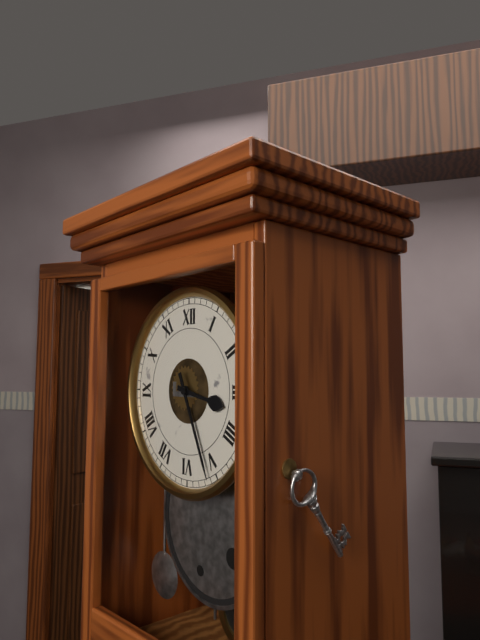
3.26
